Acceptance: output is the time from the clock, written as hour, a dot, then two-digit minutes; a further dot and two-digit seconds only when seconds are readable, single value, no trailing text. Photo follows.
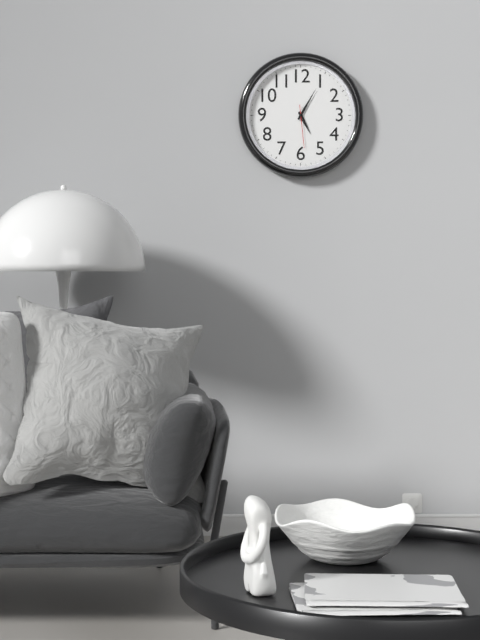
5.05
